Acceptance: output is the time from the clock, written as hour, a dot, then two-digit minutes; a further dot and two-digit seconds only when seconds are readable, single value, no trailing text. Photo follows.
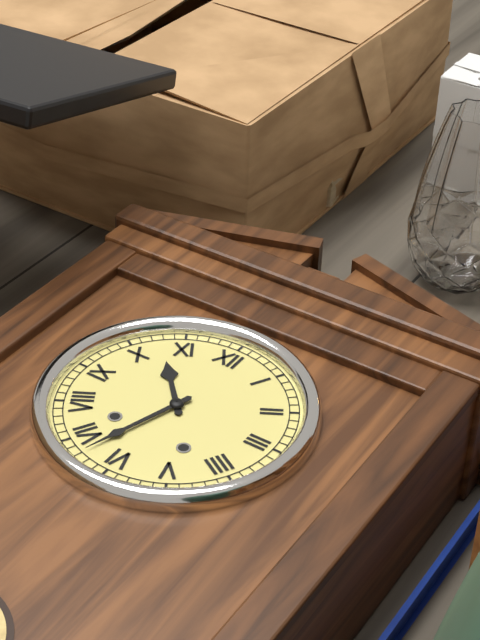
10.33
